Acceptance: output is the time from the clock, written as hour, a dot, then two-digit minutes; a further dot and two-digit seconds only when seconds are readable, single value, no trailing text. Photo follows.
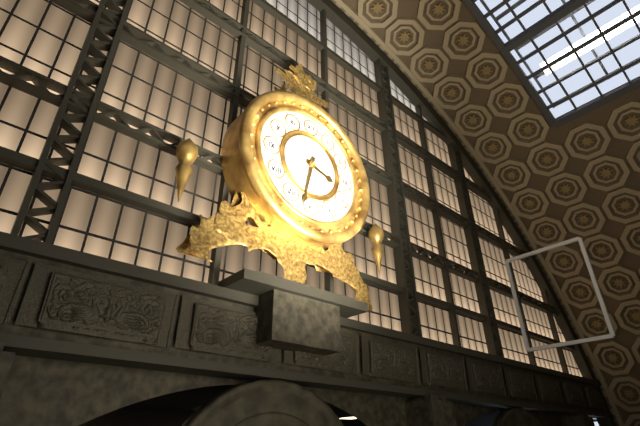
3.32
